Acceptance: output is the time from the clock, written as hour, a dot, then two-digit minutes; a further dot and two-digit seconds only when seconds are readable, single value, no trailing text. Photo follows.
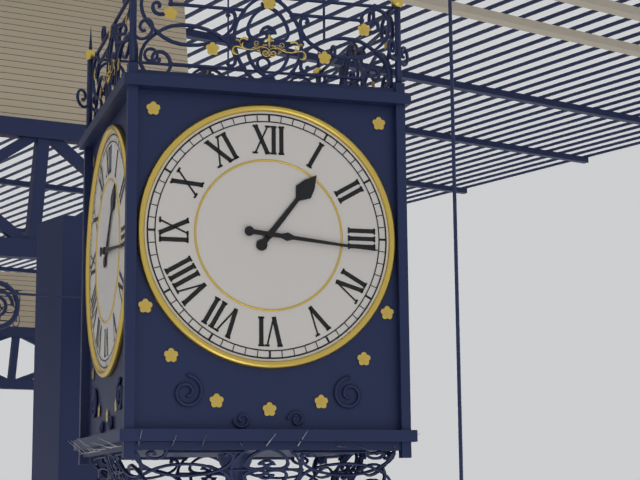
1.16
